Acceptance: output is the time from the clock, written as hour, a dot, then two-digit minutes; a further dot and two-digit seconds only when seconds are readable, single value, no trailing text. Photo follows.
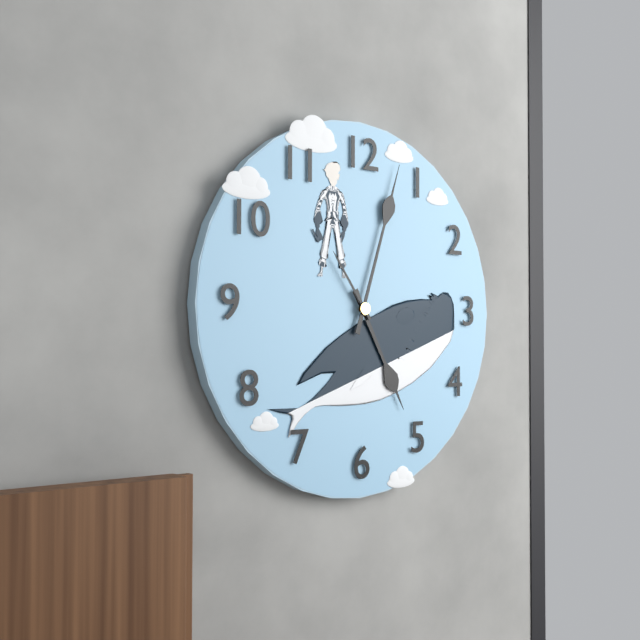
5.03.54
